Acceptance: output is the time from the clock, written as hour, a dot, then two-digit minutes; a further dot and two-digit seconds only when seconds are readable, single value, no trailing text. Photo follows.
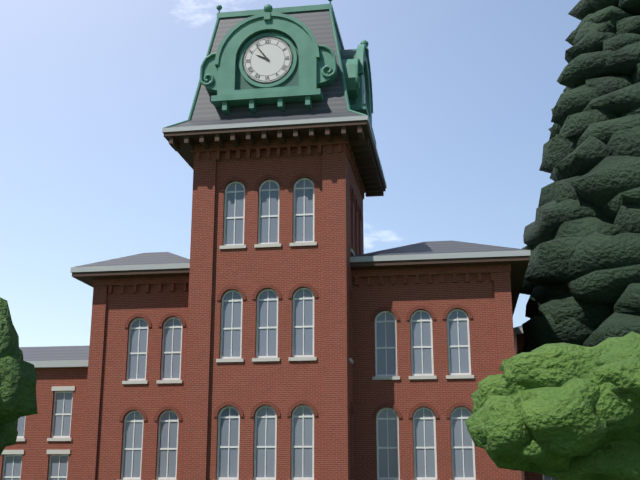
9.54
